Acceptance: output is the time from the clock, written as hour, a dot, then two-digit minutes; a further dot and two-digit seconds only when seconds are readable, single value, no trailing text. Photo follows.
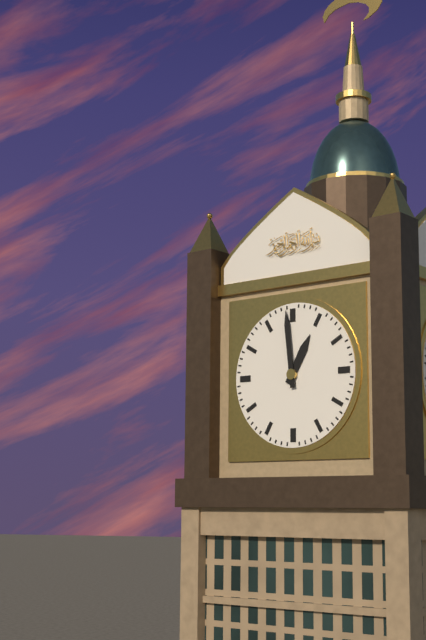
12.59
